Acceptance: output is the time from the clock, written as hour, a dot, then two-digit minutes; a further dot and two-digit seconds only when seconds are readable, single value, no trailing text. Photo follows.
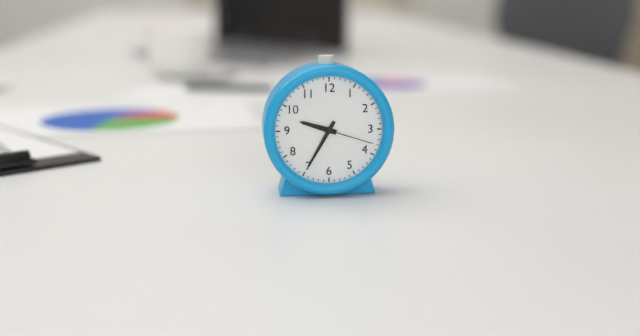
9.35.18
